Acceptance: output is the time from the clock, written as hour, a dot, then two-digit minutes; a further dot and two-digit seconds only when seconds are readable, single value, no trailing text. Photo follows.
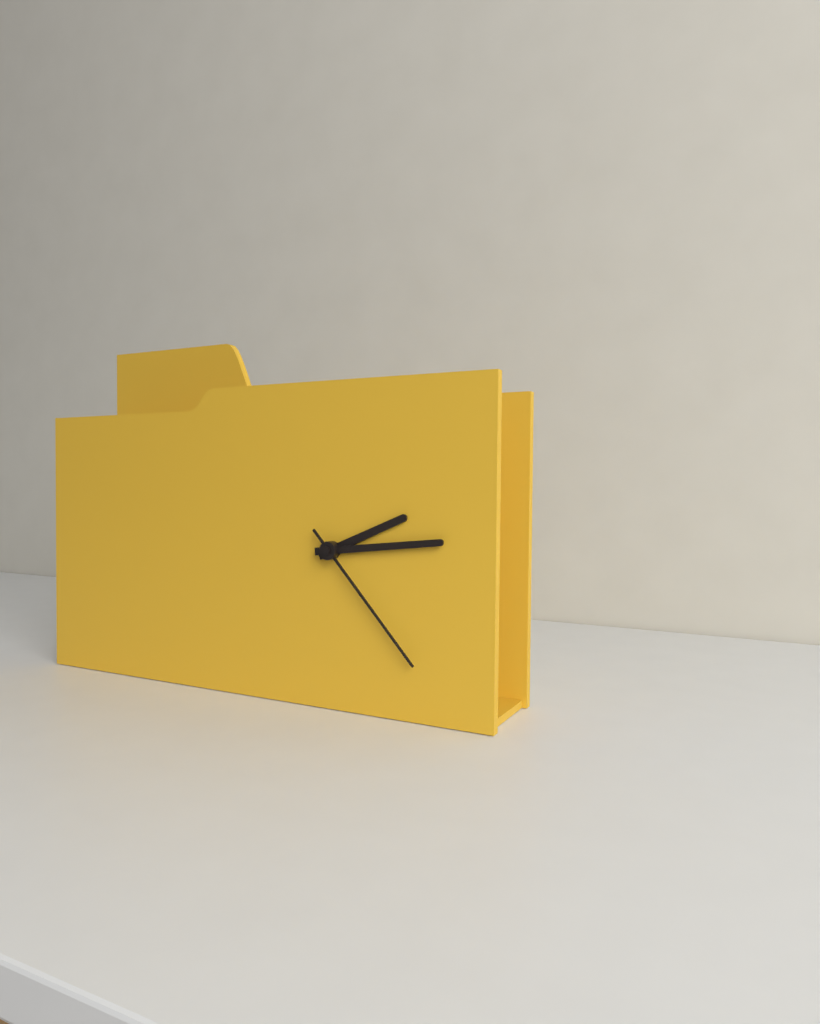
2.14.23
